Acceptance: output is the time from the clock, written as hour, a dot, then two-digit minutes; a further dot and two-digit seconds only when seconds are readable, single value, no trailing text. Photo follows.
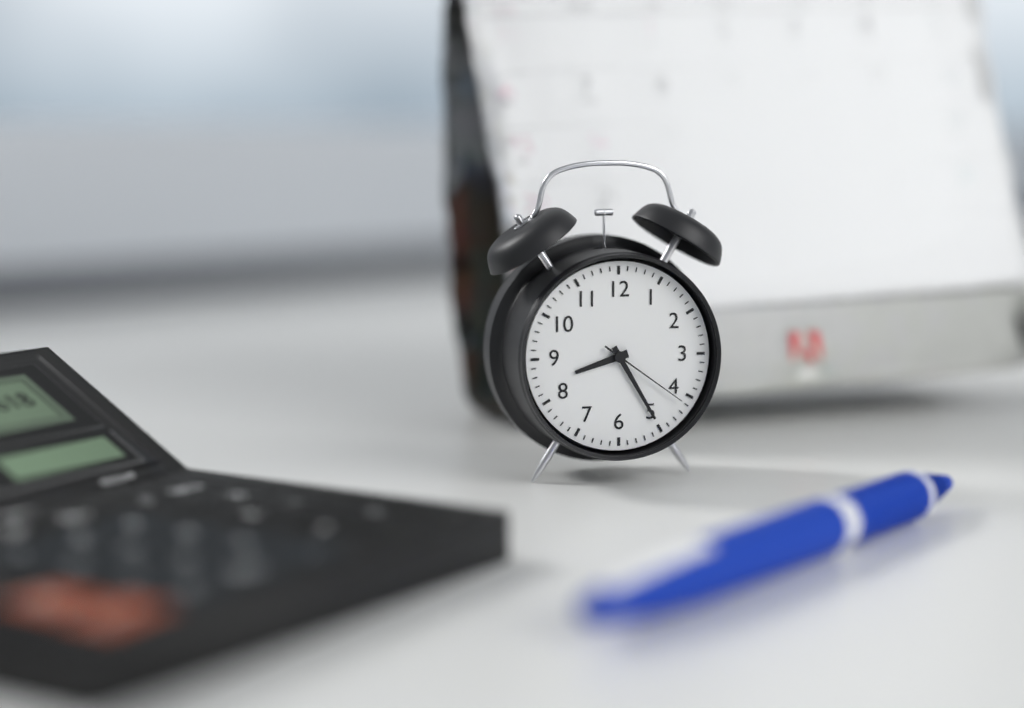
8.25.21
